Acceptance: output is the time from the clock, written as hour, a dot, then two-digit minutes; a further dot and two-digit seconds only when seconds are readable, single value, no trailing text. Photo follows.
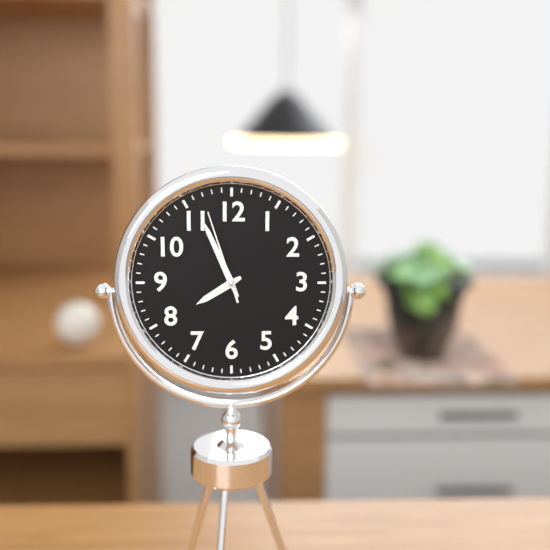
7.56.57
